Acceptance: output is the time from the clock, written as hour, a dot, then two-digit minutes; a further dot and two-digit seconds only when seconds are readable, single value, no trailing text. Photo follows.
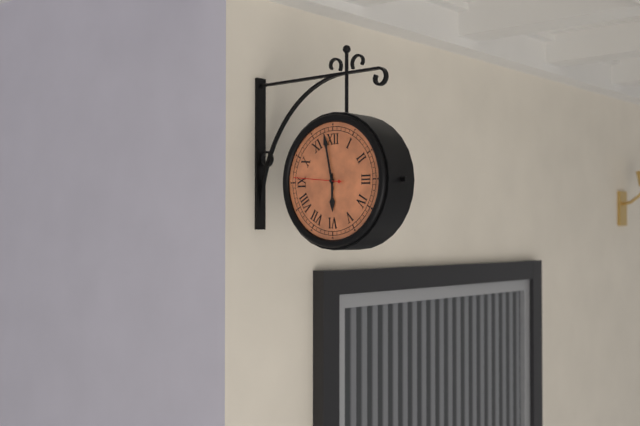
5.58.46
